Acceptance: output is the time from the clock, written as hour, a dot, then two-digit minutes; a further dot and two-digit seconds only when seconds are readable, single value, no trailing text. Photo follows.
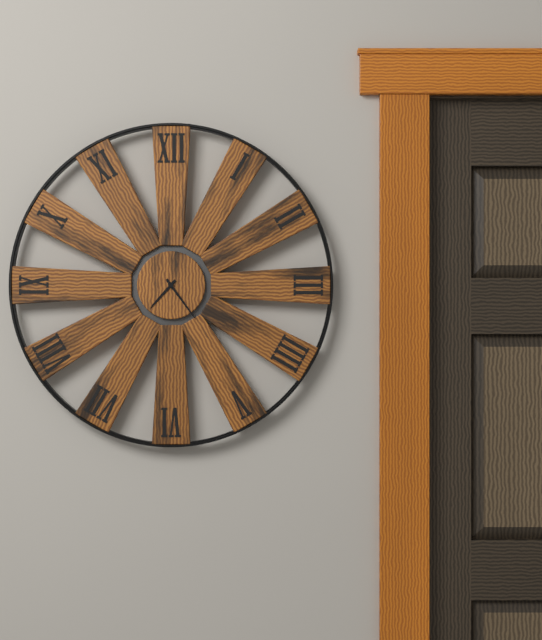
7.24
